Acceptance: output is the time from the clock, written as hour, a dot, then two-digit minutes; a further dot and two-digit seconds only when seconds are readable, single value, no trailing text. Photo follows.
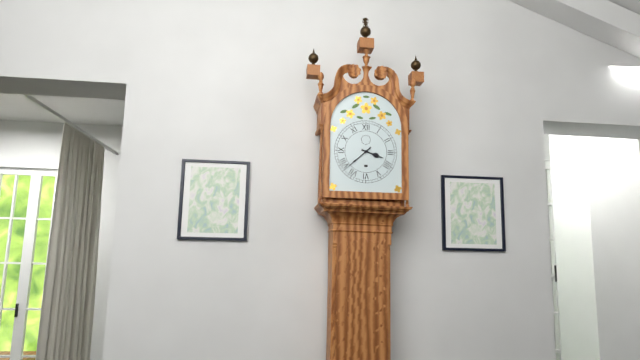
3.38
